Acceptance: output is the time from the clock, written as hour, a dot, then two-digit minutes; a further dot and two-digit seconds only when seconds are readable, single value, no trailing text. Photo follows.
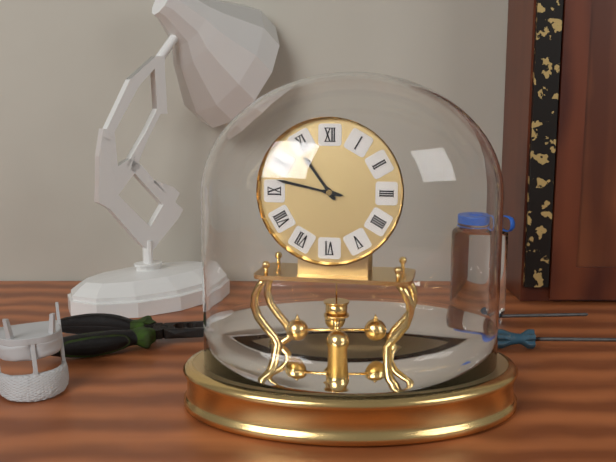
10.47
